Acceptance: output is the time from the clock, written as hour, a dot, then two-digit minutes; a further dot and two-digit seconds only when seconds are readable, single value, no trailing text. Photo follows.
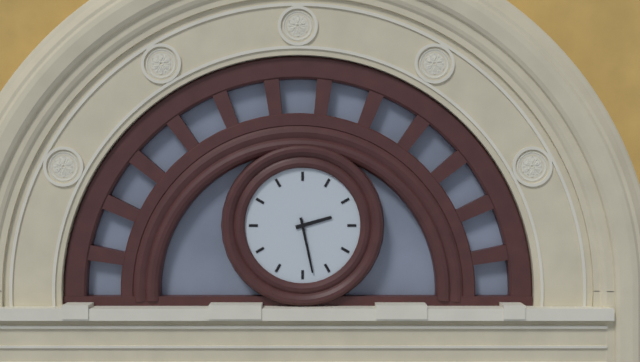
2.28
